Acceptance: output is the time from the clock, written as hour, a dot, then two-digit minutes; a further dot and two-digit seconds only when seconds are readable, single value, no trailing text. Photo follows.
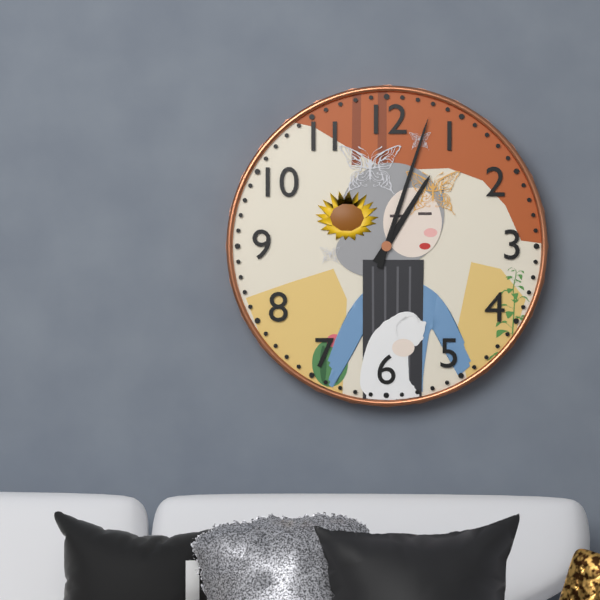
1.03
